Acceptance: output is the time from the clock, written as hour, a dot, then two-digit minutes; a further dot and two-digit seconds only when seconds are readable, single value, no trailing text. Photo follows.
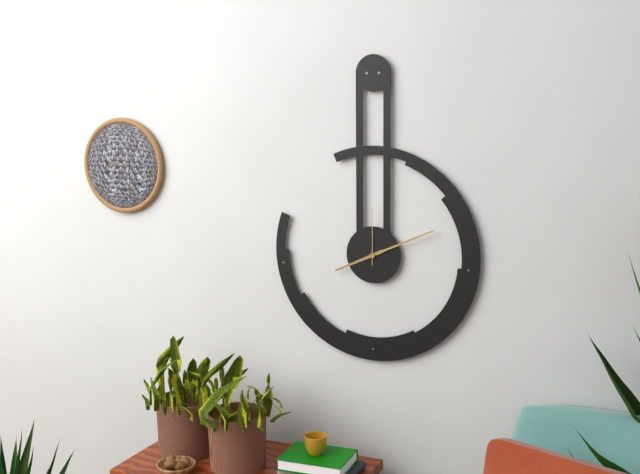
8.11.00
